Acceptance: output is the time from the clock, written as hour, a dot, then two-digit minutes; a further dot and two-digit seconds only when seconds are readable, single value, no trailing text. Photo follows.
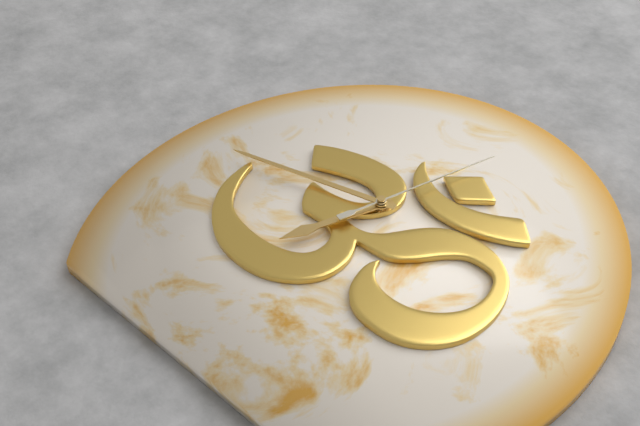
6.43.03
